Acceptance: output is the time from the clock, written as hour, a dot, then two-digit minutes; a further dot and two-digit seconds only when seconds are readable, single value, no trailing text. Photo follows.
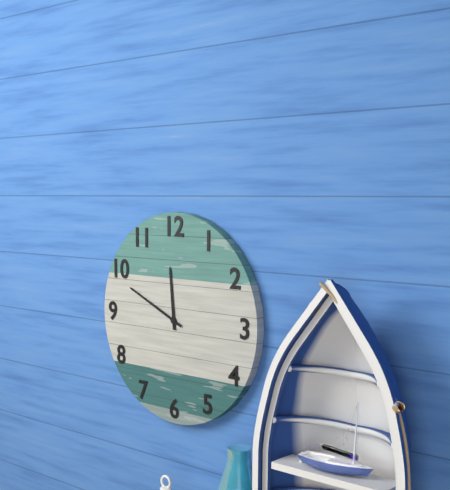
11.49
